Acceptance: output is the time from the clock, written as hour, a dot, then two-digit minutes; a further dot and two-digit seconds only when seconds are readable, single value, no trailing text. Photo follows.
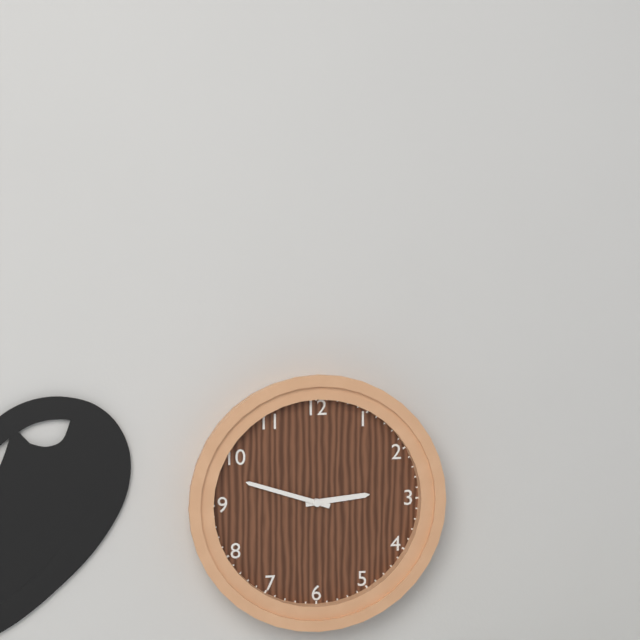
2.48
